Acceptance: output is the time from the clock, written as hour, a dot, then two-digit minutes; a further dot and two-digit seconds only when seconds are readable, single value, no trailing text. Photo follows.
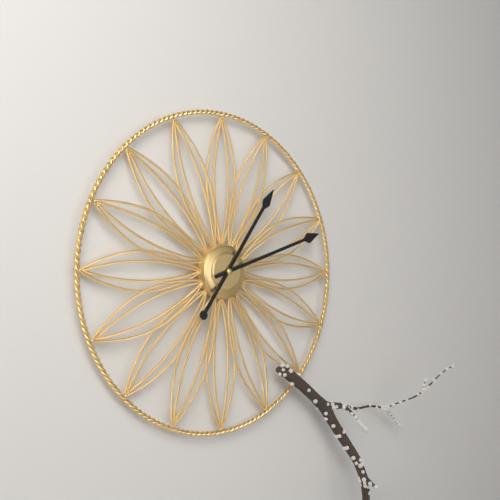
1.12
